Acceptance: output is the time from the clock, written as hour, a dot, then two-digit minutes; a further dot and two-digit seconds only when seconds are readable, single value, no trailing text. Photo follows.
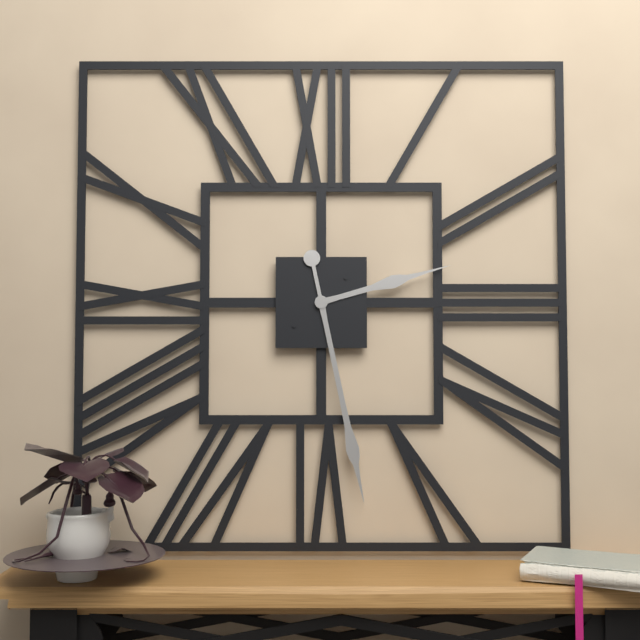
2.28
